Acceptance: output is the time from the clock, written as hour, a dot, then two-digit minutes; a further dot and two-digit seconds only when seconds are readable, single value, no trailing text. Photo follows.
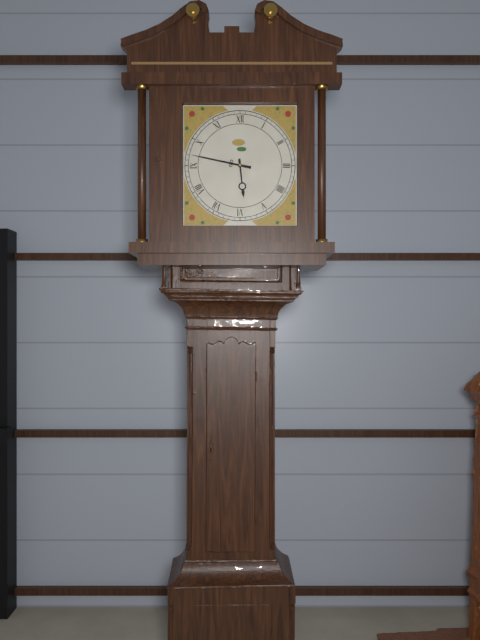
5.47
